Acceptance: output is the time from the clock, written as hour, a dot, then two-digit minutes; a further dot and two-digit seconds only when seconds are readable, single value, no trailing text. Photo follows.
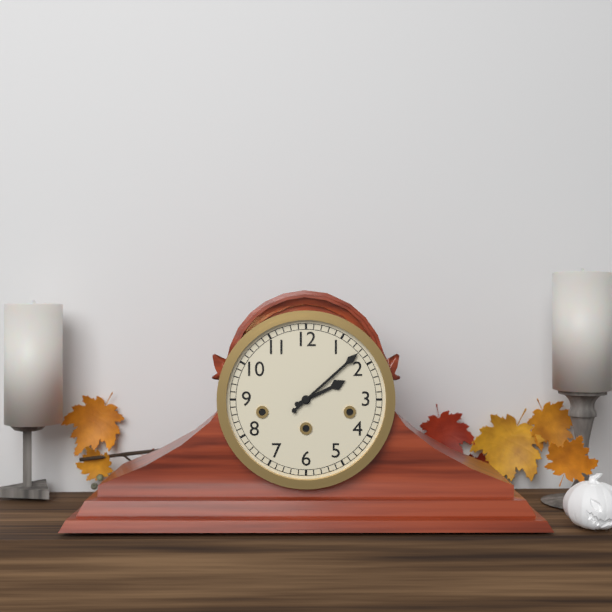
2.08
